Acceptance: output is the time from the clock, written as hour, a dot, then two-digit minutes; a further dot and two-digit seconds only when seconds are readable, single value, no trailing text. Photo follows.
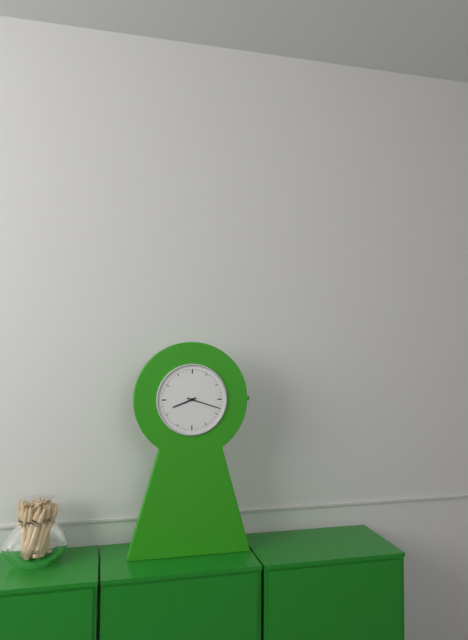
8.18
